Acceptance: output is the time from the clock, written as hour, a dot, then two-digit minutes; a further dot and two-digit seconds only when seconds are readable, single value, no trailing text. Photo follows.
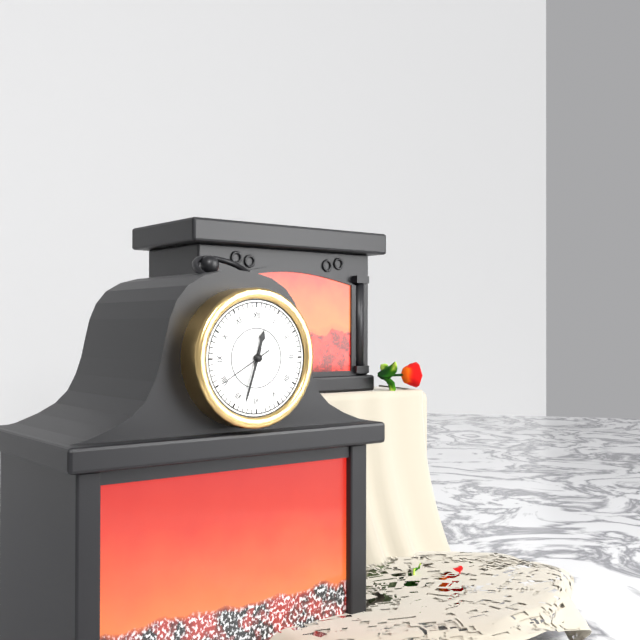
12.33.40
